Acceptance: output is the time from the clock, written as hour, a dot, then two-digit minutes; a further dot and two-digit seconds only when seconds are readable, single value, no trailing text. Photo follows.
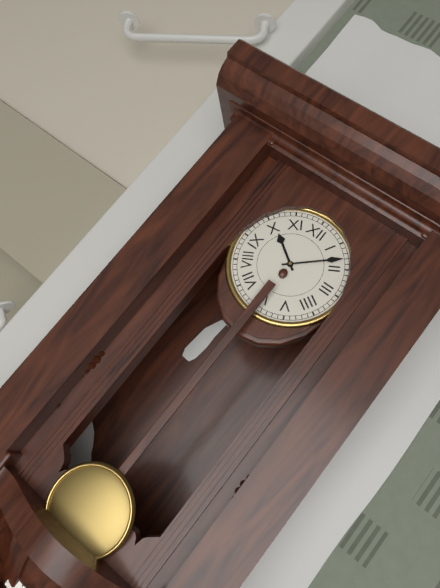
10.08
